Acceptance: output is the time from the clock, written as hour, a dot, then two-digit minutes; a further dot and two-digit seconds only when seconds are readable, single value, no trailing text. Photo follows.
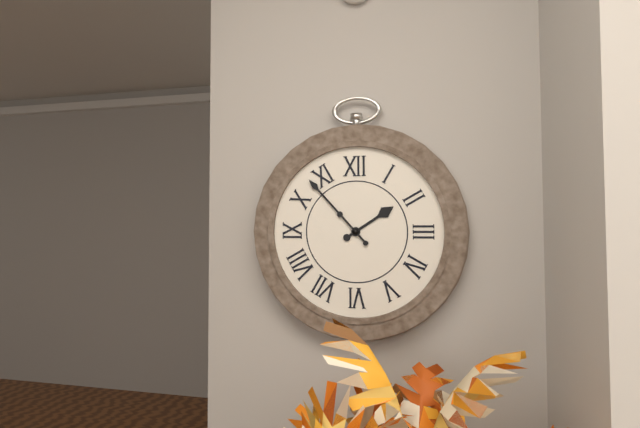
1.53
